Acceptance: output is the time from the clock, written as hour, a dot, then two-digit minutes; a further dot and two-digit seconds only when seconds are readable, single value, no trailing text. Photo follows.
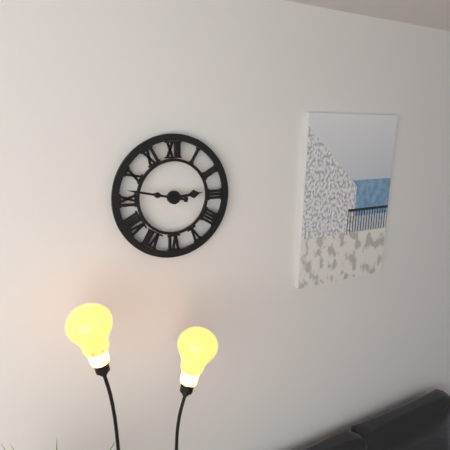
2.47
